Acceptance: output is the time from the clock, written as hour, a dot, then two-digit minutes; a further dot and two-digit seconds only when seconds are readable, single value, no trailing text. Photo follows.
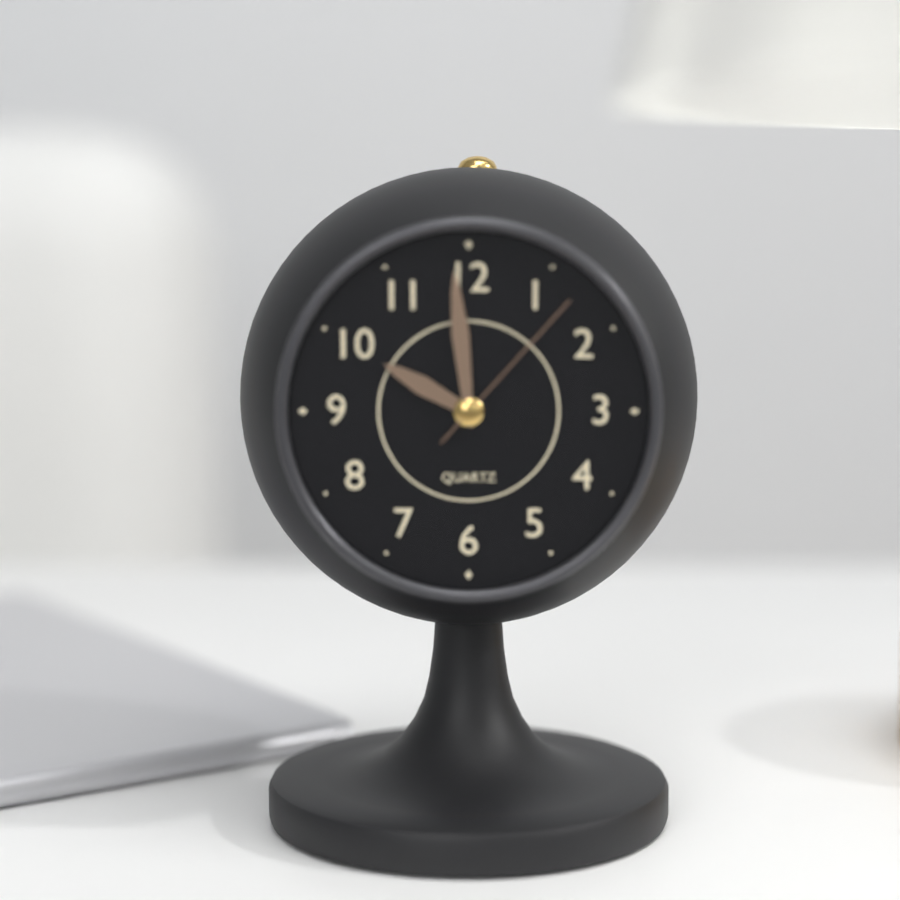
9.59.07
